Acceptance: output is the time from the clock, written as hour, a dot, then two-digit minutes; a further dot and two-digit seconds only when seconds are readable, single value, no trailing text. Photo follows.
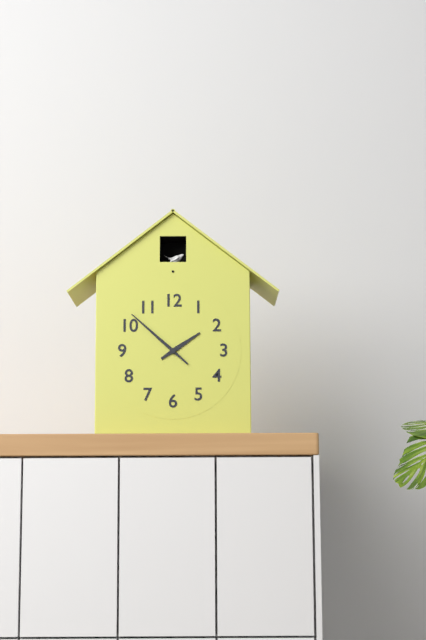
1.52
